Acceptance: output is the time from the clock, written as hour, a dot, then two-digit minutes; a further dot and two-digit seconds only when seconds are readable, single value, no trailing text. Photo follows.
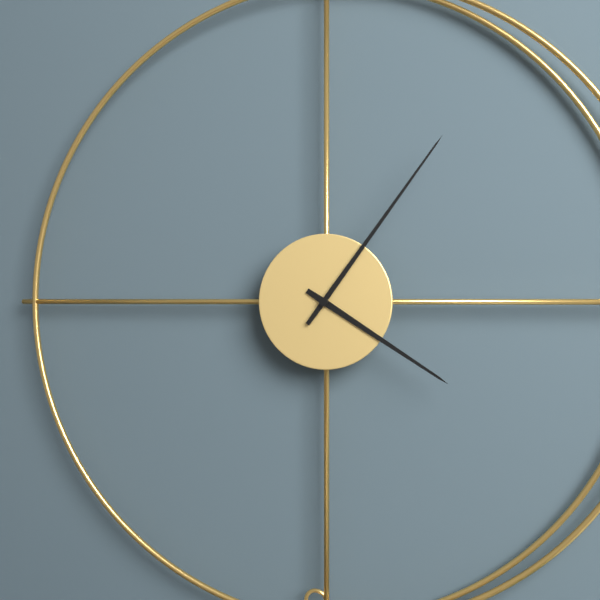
4.06
